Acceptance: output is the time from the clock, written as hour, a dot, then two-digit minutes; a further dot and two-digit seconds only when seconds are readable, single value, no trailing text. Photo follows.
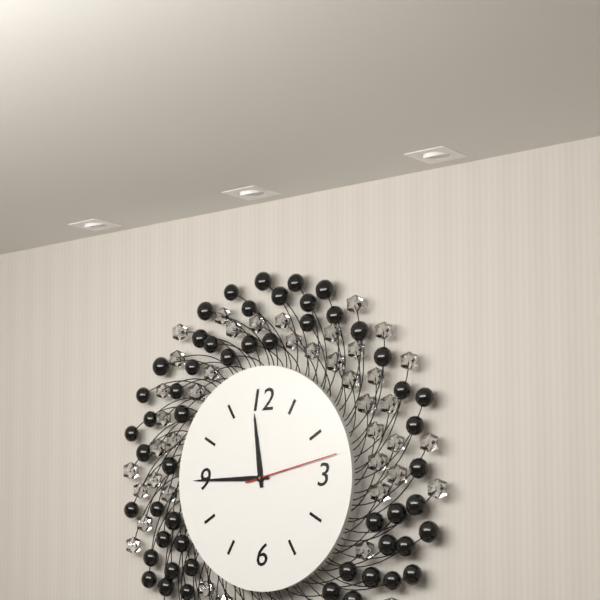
11.45.13
